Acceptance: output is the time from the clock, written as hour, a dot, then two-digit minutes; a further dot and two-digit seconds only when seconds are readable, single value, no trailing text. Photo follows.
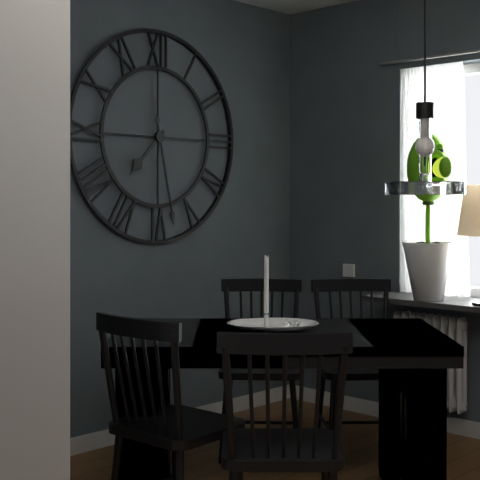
7.28
